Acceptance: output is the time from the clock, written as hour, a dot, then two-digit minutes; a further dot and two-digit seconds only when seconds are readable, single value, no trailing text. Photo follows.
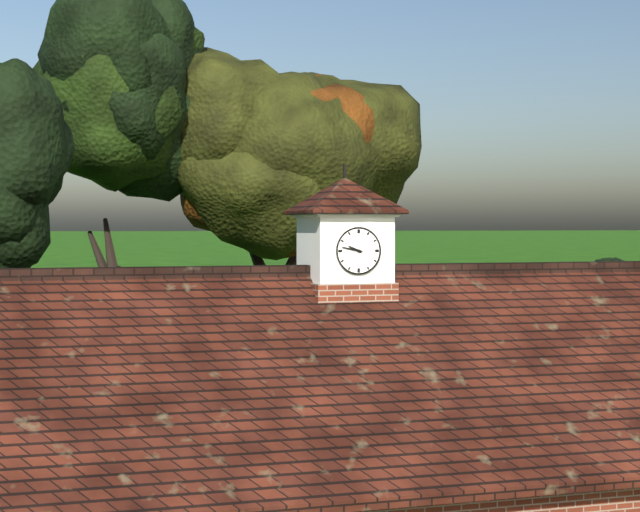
9.47
